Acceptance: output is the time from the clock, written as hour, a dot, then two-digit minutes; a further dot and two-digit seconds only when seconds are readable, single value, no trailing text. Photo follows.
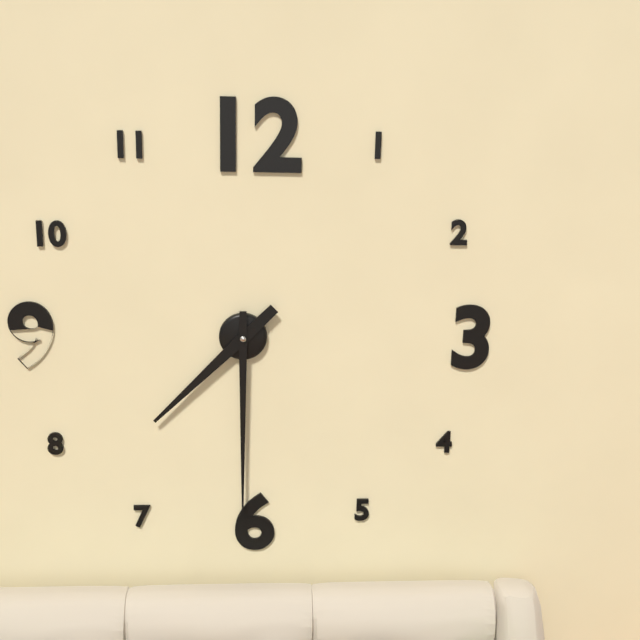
7.30
